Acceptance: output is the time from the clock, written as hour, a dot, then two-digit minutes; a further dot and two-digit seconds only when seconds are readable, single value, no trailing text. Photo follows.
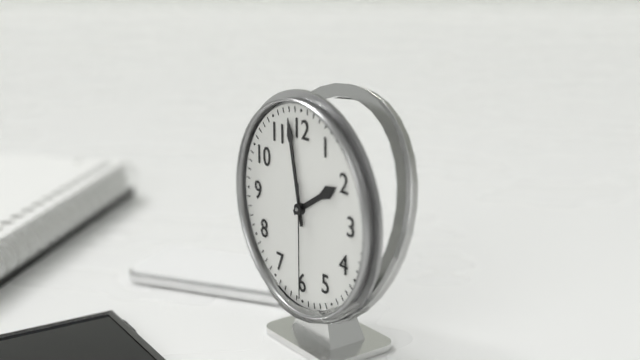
1.58.30
